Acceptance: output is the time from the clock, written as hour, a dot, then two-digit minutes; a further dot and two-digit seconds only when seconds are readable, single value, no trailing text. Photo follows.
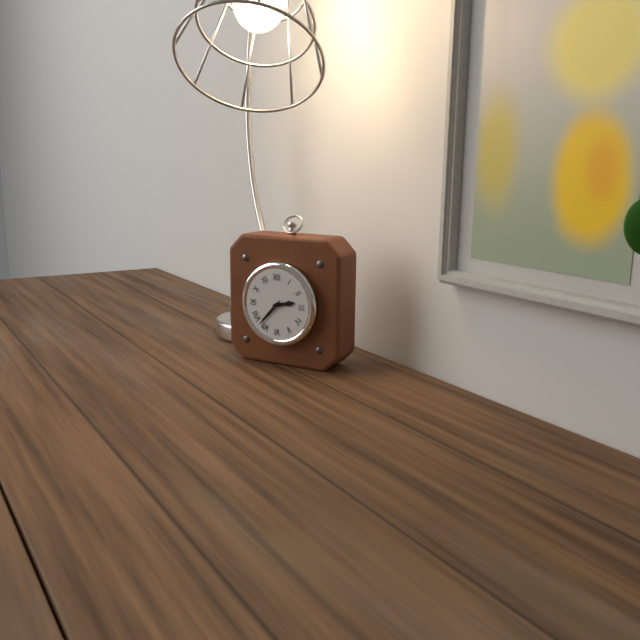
2.37
